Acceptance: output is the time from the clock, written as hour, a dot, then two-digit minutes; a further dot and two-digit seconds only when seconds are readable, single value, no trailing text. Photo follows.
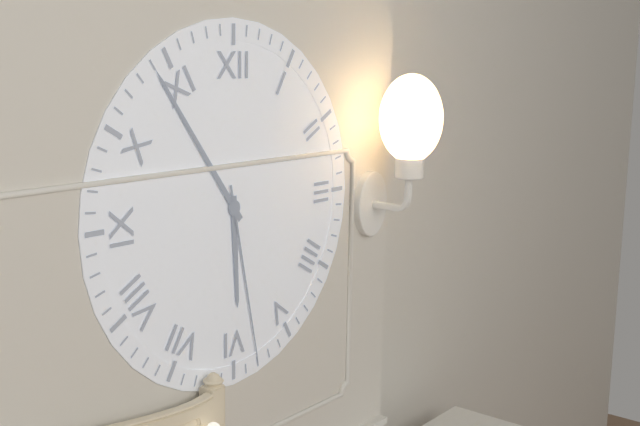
5.54.28
